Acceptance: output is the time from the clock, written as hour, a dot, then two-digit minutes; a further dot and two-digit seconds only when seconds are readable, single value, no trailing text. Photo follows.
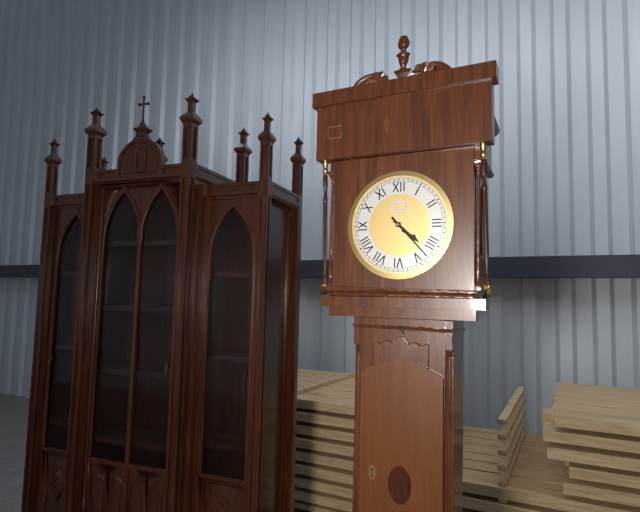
4.23
